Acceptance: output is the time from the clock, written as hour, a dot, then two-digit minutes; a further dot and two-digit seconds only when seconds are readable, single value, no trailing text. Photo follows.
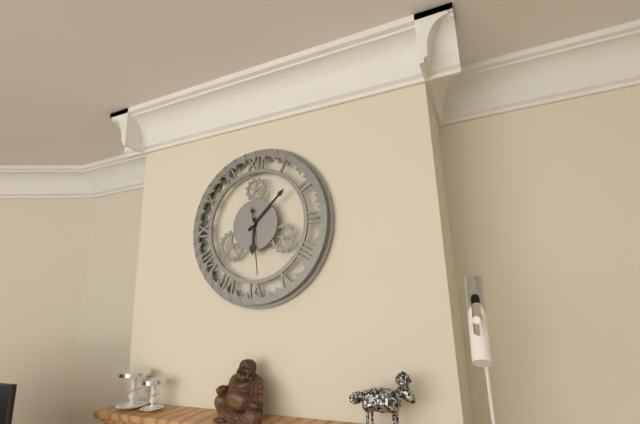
6.08.29
